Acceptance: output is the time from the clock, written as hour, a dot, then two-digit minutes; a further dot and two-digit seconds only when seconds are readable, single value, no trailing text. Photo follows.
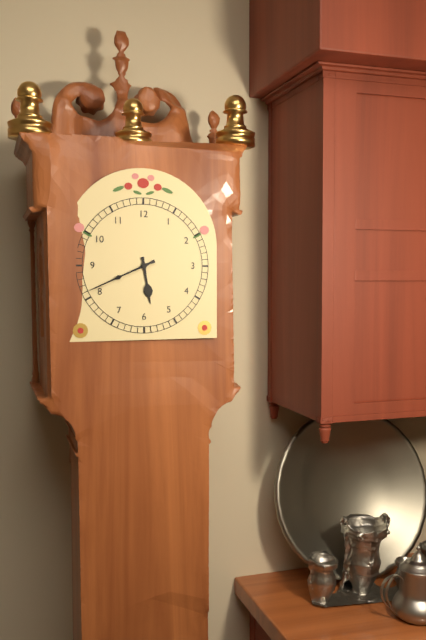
5.41
